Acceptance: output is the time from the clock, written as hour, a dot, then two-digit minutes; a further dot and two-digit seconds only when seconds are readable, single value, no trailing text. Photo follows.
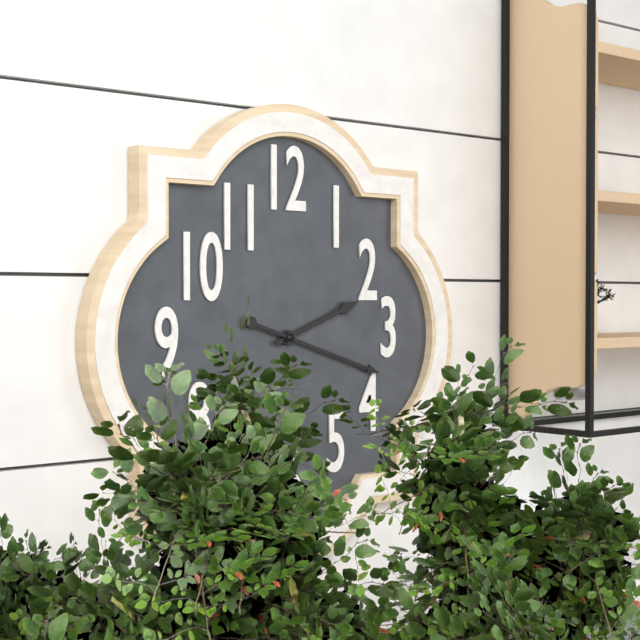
2.18
